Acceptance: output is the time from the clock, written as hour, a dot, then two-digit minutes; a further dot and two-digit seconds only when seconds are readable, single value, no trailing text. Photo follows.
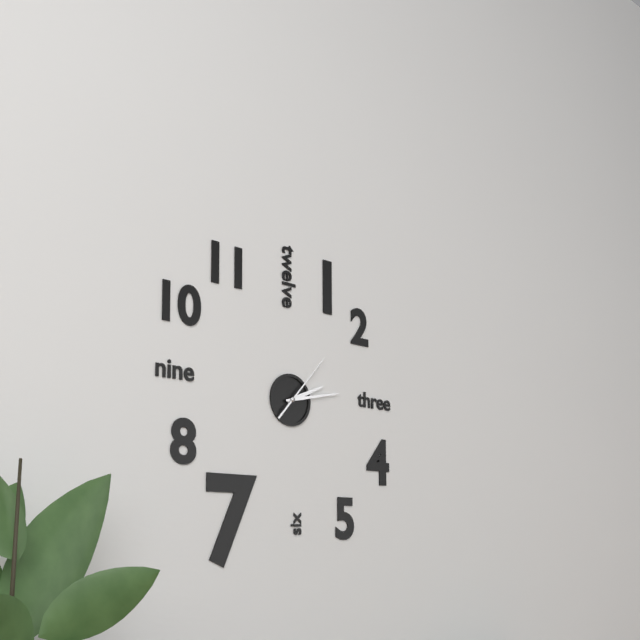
2.13.07
